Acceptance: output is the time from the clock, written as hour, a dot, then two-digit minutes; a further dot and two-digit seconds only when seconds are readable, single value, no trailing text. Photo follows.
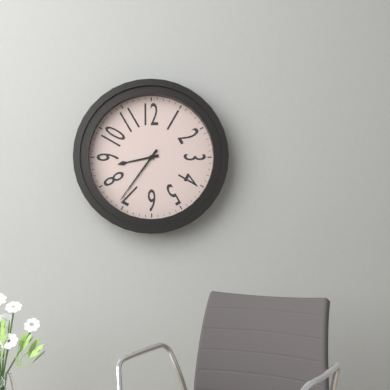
8.36
